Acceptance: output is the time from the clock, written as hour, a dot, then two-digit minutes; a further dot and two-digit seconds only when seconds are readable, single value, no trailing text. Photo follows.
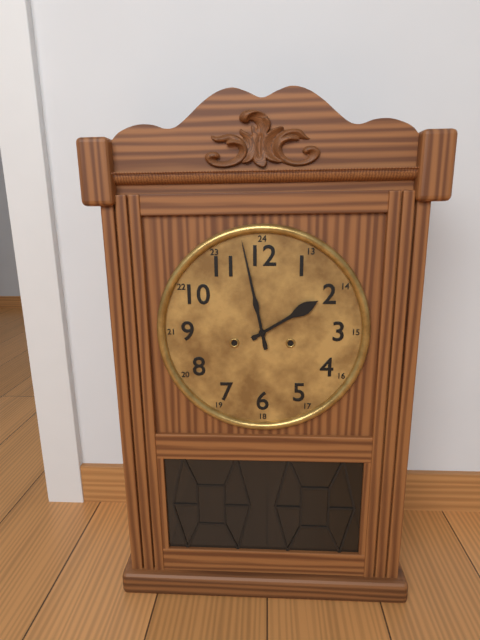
1.58
